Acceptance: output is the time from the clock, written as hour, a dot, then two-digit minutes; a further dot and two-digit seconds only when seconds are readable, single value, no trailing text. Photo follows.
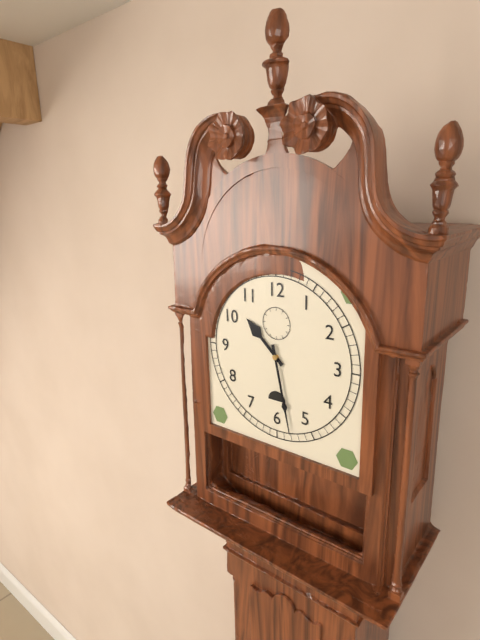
10.28
